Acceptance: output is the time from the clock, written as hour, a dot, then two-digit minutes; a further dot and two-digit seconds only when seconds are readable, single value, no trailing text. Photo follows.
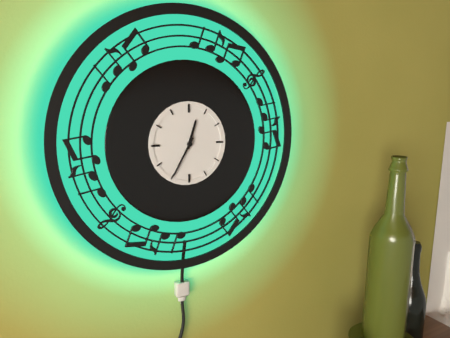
12.35
